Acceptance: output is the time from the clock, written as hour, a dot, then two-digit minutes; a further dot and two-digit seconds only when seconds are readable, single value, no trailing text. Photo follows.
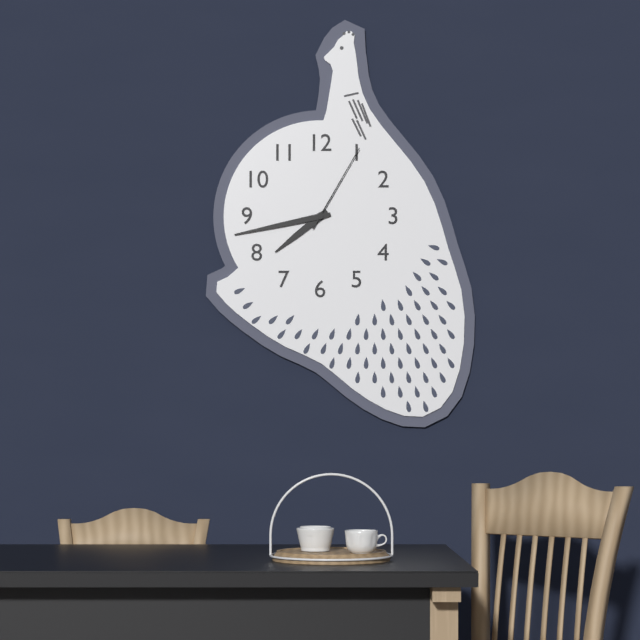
7.43.05
